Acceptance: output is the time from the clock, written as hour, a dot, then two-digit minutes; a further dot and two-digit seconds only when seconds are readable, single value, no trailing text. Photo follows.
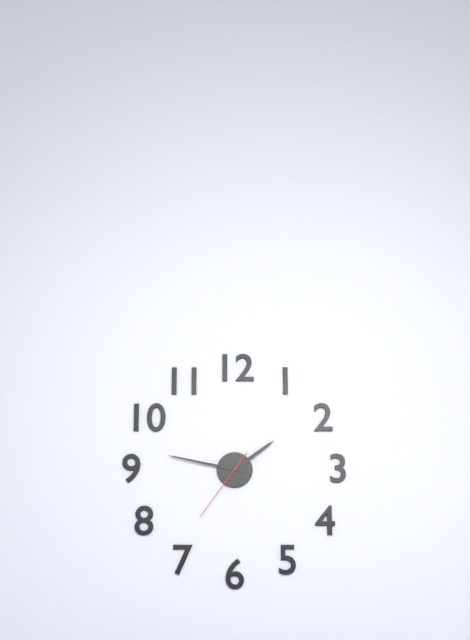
1.47.36
